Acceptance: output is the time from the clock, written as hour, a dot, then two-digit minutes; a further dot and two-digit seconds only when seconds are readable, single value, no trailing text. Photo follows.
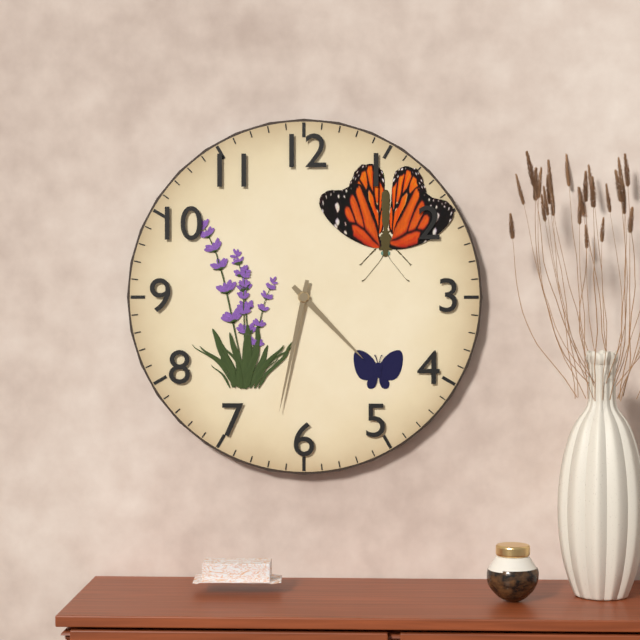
4.32
